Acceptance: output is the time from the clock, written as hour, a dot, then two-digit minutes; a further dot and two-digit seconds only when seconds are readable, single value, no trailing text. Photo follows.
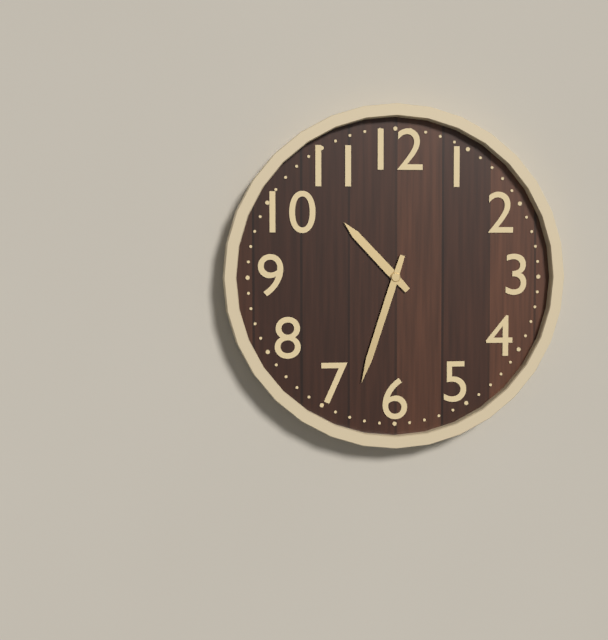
10.33
